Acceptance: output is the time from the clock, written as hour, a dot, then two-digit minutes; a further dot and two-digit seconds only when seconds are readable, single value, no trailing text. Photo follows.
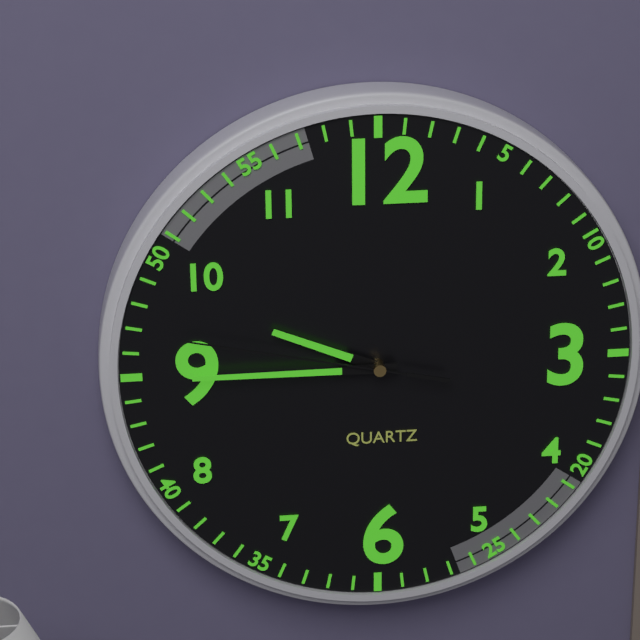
9.45.47
